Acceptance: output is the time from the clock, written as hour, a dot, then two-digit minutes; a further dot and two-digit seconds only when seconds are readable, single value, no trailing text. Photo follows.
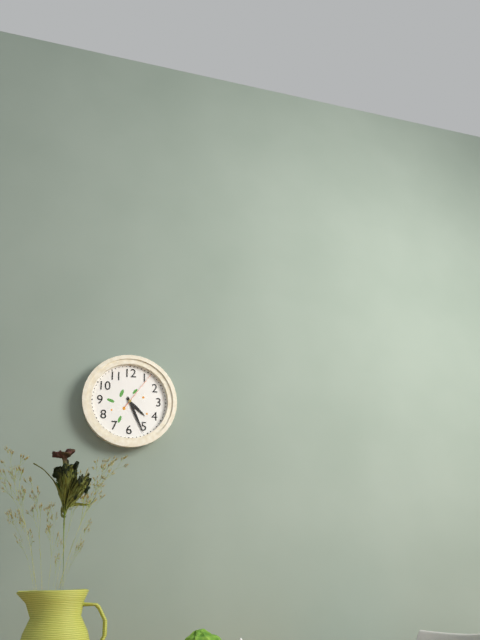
4.26
